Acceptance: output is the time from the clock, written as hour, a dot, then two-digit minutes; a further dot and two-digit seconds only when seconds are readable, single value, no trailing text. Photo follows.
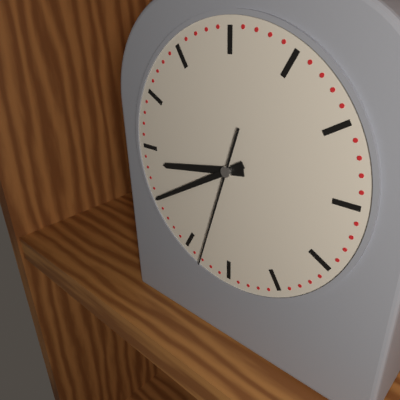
8.40.33
